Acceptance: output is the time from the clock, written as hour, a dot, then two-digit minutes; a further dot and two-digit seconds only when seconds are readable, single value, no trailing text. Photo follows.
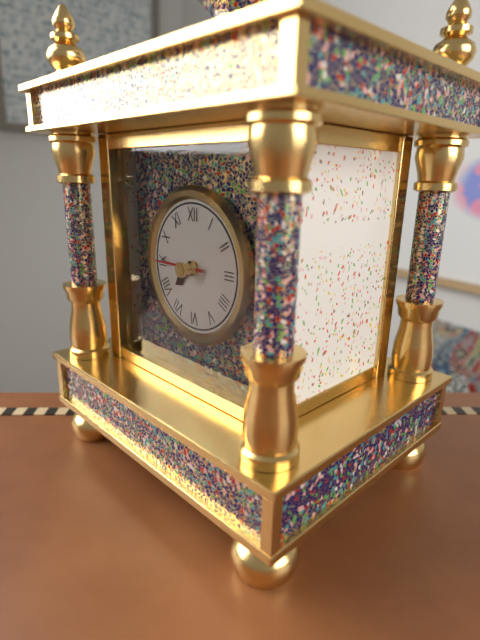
7.45
